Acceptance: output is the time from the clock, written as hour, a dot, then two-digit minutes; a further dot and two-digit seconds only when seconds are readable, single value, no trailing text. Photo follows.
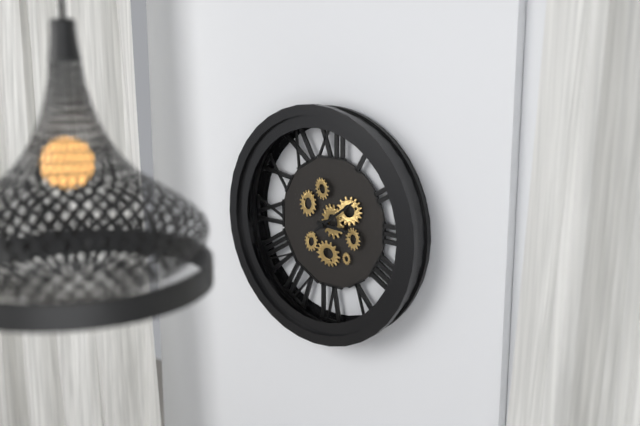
3.09
